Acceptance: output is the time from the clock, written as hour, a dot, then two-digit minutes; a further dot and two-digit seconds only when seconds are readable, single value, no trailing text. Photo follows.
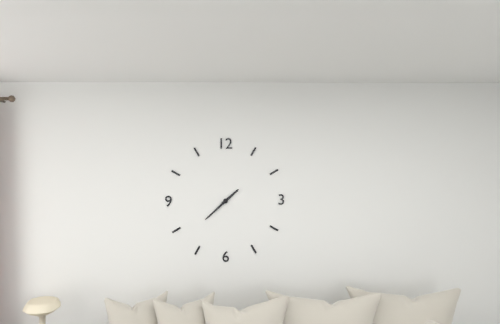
1.38
